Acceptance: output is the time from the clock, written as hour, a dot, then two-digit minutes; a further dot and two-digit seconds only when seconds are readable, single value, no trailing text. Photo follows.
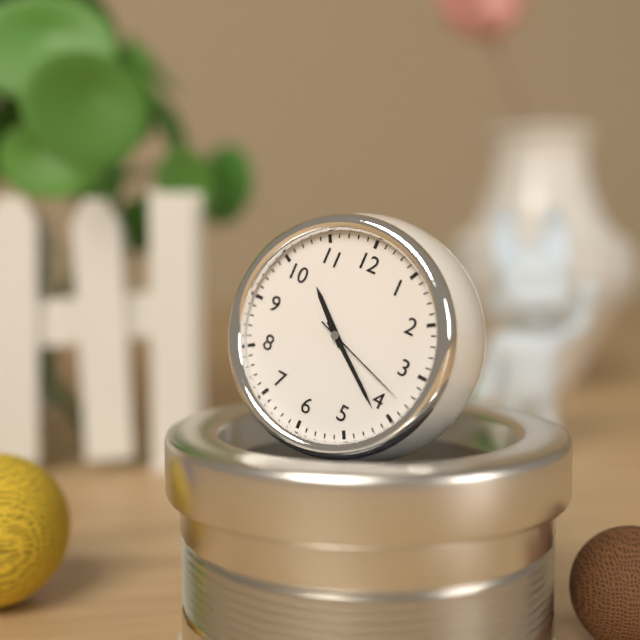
10.21.18
